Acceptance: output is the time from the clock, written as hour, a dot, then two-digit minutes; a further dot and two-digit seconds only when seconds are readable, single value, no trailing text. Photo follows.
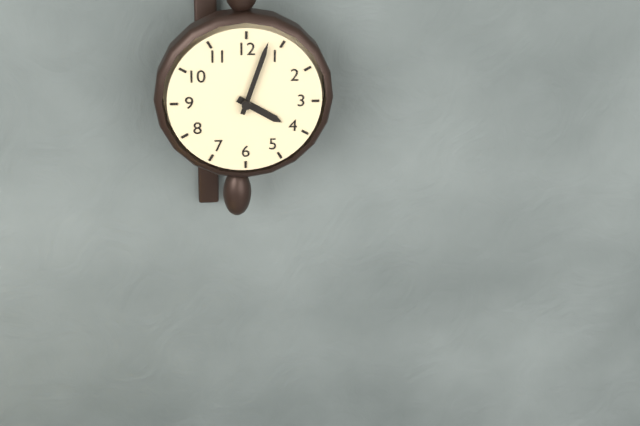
4.03
